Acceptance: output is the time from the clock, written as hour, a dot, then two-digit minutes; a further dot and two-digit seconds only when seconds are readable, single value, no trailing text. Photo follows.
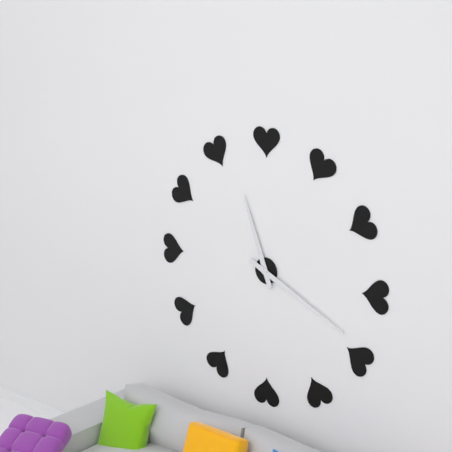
11.19
